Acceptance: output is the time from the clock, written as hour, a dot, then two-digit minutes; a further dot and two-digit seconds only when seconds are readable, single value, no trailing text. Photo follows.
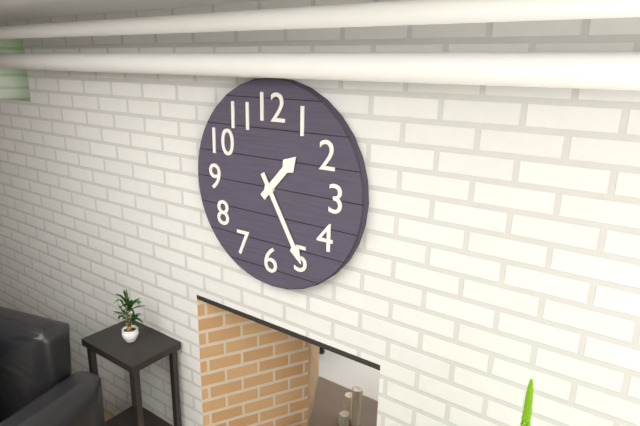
1.25
